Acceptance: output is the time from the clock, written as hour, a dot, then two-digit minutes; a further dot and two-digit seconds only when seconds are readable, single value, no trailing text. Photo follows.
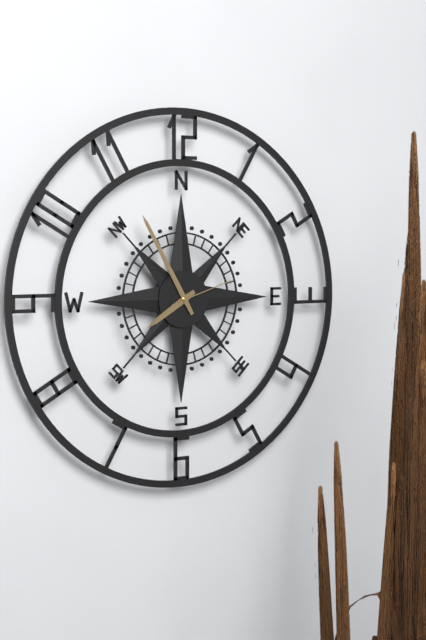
7.55.12
